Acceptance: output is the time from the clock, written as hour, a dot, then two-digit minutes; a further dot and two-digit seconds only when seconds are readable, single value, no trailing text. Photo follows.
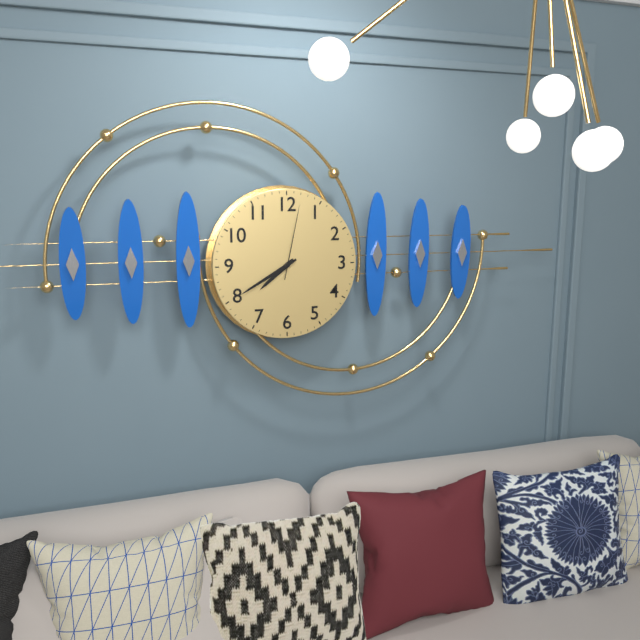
7.40.02
